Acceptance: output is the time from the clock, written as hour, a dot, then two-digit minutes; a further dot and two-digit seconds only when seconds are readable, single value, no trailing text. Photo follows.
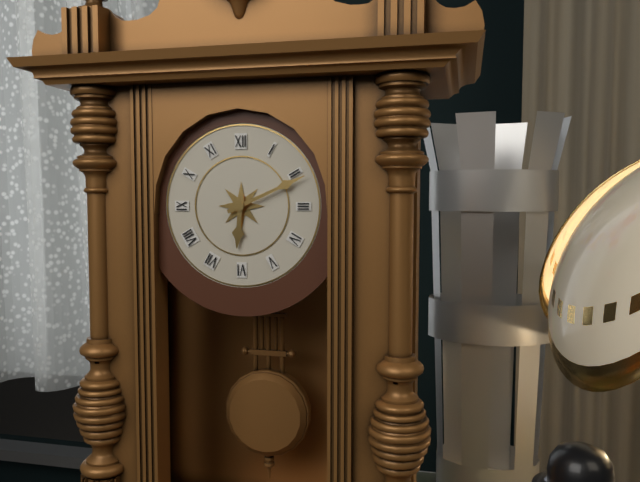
6.11
